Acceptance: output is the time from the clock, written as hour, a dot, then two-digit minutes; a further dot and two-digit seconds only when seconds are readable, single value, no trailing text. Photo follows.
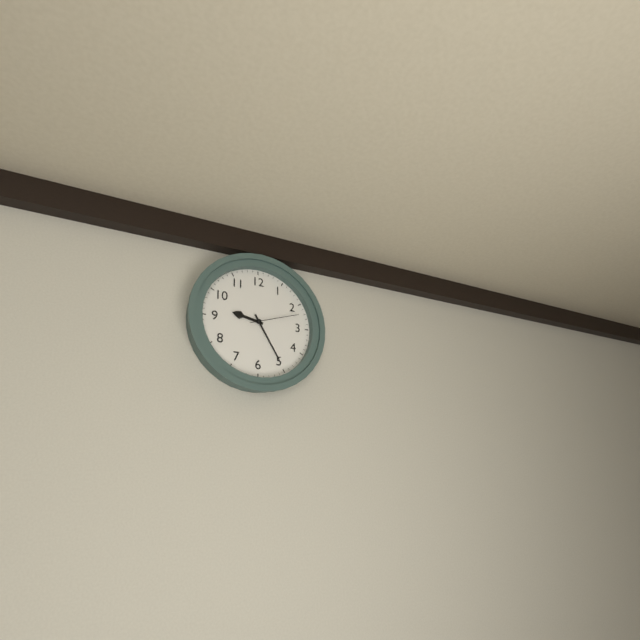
9.25.12
